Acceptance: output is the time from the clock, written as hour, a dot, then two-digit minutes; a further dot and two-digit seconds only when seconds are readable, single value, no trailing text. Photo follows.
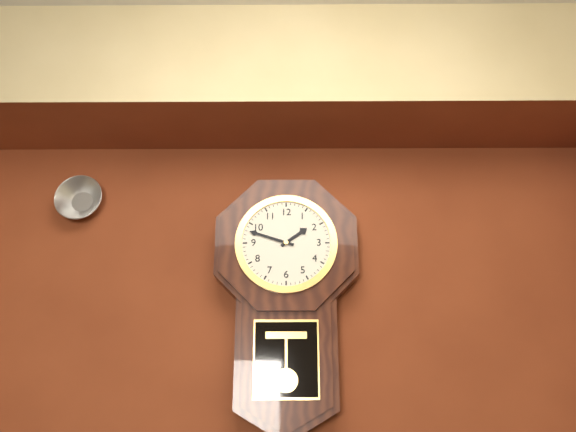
1.48
